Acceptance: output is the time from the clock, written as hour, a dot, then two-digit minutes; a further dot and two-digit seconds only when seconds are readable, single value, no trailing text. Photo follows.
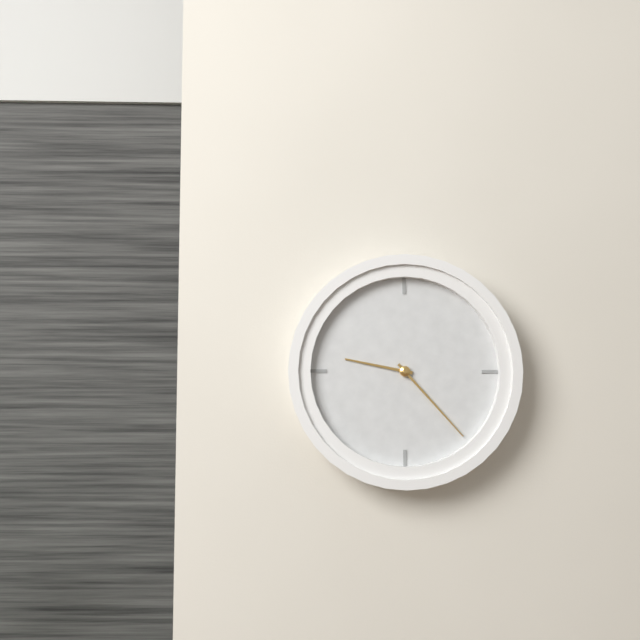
9.23
